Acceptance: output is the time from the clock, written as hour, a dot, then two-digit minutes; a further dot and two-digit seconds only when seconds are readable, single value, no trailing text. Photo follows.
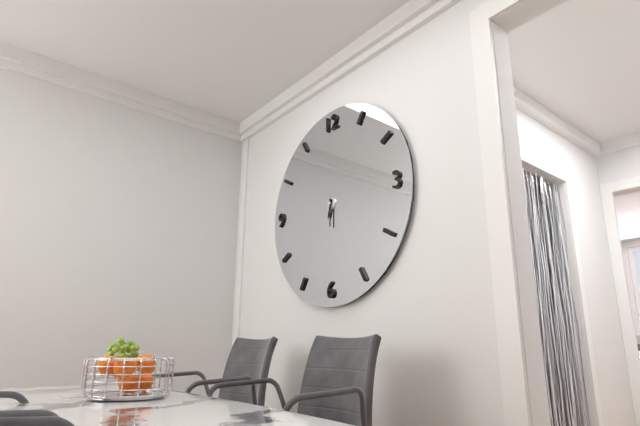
6.30
